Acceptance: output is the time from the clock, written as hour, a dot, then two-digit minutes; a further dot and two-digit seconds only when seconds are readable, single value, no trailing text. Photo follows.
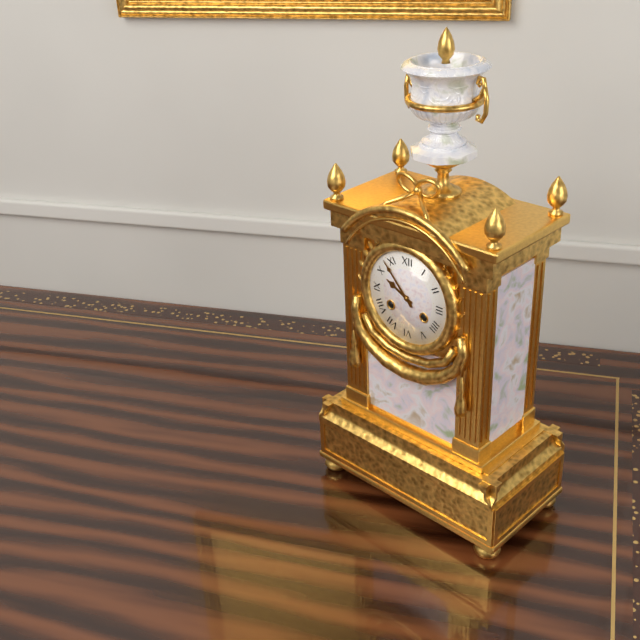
9.53
